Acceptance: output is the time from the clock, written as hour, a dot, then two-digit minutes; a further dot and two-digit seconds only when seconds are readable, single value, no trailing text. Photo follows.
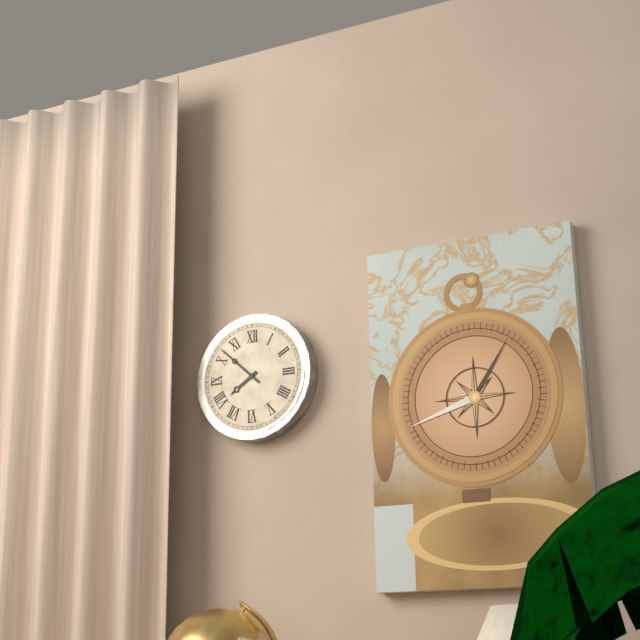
7.52
